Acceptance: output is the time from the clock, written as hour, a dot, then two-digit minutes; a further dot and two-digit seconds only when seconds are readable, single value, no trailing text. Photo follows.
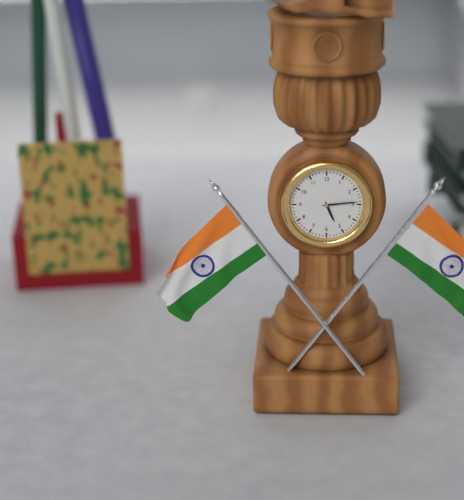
5.14
